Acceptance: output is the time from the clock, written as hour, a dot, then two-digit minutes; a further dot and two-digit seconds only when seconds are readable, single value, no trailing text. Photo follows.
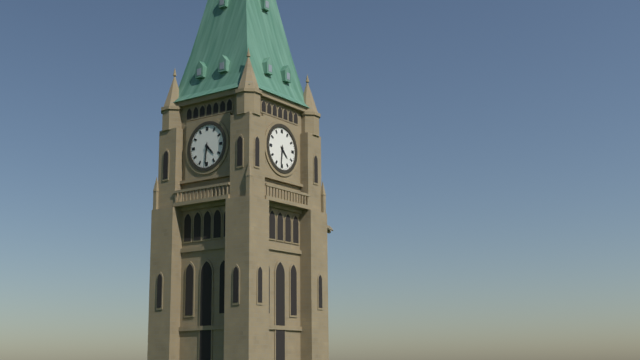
4.31
